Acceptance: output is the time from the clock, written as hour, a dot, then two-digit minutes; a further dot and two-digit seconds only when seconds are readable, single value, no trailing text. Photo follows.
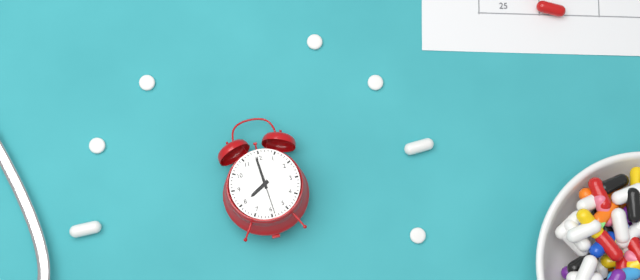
7.59
